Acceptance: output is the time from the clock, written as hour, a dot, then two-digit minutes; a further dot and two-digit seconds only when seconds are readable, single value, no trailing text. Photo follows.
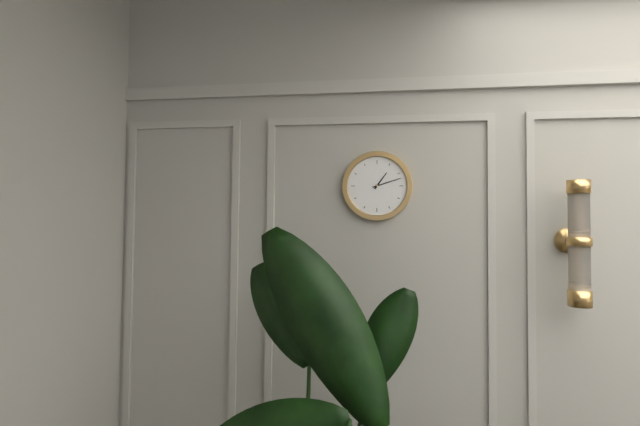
1.12
